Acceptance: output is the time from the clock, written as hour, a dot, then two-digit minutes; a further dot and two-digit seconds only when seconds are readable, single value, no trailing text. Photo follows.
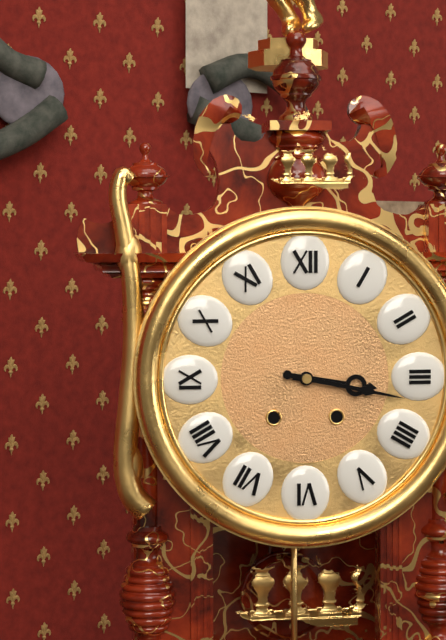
3.17
